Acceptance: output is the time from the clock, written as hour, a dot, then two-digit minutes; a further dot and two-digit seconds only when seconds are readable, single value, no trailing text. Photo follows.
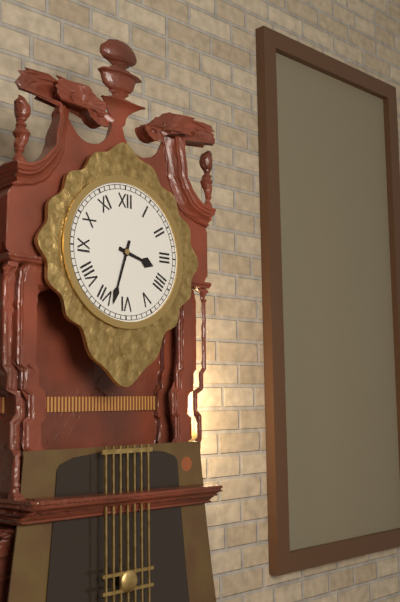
3.33
